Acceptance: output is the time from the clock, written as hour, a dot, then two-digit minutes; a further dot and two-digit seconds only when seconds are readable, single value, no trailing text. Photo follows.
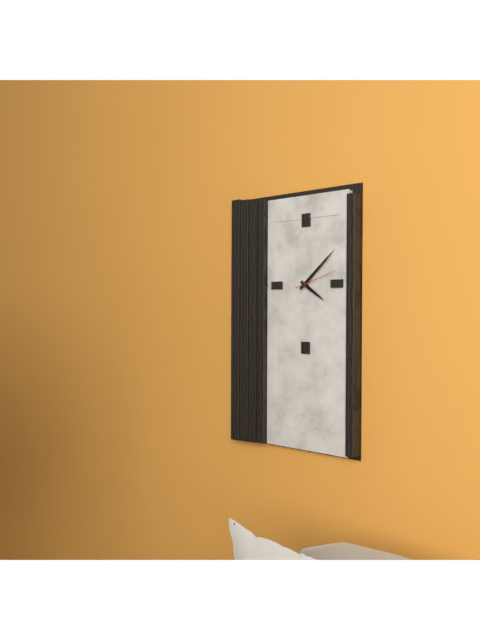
4.08
